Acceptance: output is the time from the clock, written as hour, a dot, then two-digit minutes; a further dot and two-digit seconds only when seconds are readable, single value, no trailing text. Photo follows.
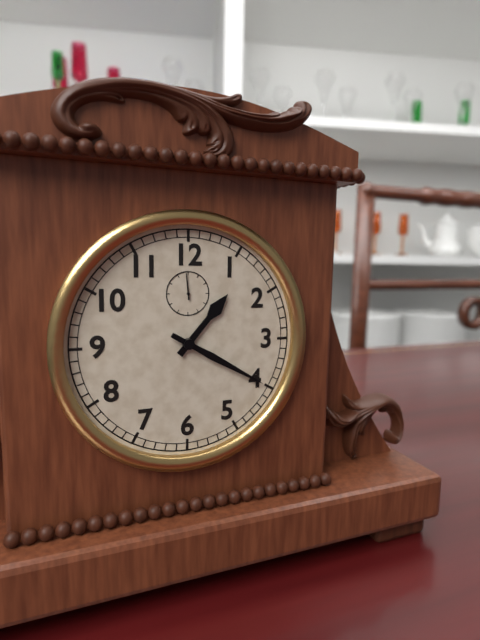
1.20
